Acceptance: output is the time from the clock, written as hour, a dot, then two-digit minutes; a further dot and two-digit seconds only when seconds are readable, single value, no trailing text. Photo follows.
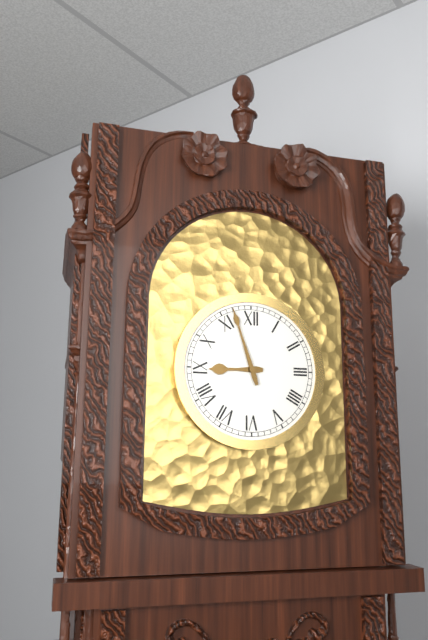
8.57
